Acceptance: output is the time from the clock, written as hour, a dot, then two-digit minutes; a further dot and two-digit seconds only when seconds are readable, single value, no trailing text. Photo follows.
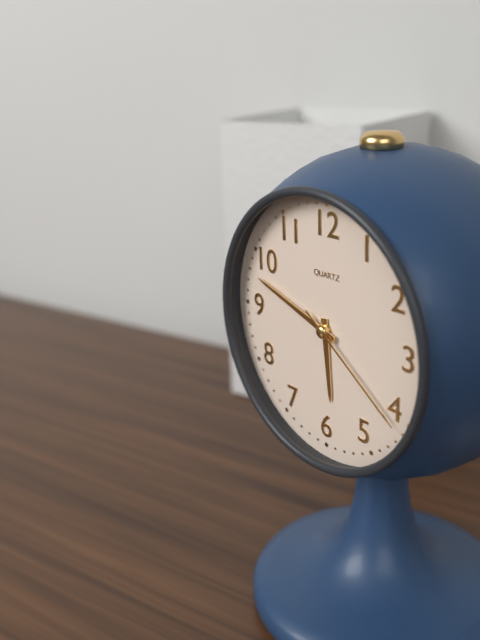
5.48.21
